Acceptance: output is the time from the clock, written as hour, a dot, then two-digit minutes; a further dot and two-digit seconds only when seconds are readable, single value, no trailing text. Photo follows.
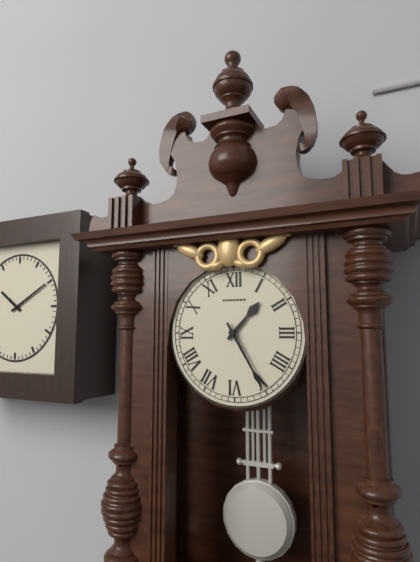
1.25
